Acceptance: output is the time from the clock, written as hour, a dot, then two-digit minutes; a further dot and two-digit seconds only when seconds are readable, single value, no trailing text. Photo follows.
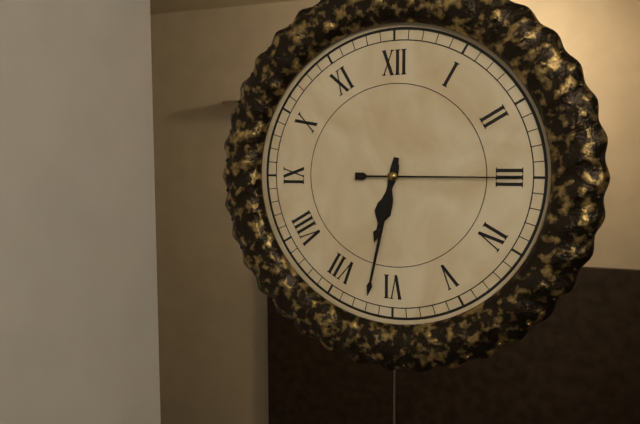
6.32.15
